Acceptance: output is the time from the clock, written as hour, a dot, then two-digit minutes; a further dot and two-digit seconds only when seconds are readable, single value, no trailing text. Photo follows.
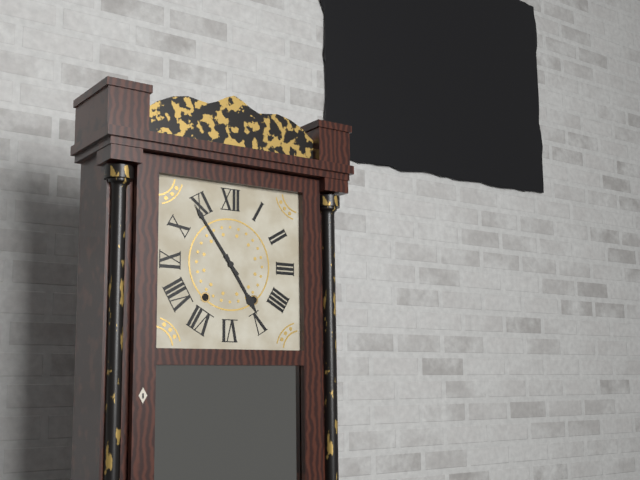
4.54
